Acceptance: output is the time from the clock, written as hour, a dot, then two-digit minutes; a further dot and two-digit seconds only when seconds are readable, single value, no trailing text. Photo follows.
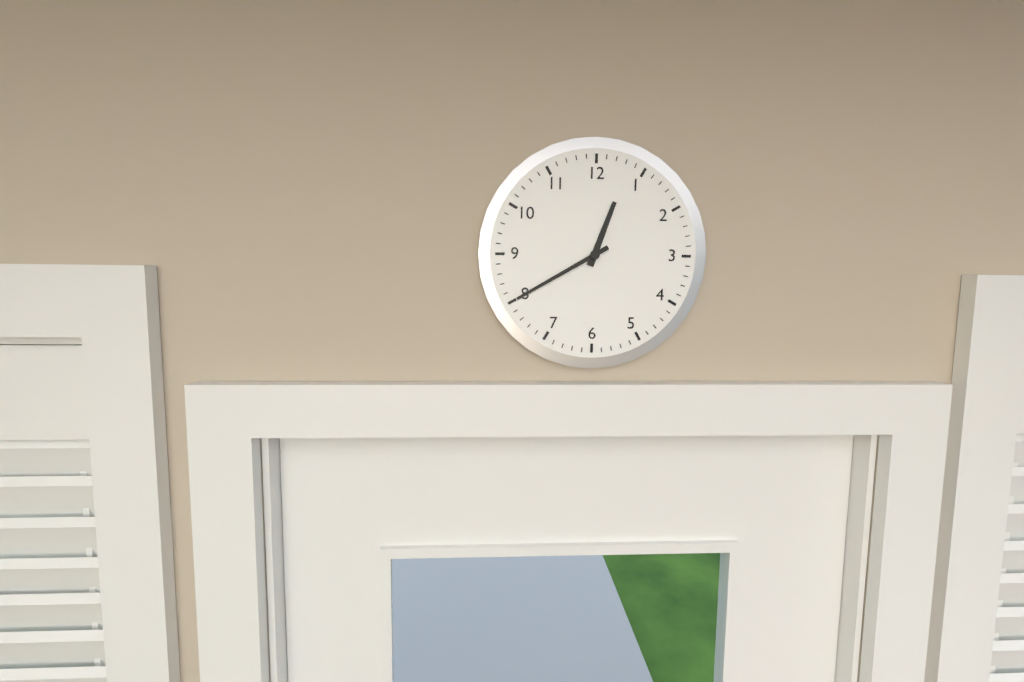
12.40
